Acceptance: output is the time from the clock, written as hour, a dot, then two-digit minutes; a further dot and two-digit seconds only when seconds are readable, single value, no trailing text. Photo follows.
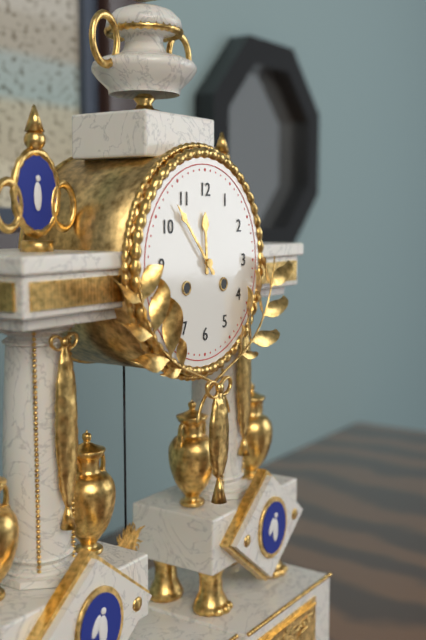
11.53
